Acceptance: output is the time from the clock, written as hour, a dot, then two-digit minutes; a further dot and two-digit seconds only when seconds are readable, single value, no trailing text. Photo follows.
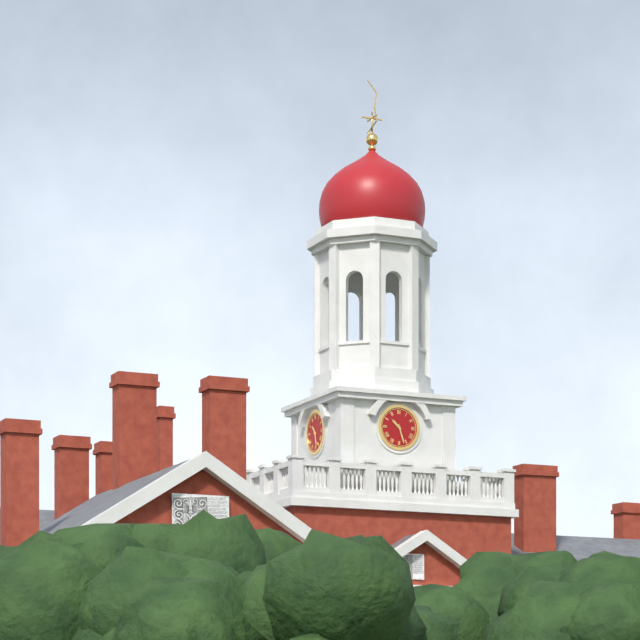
10.27
